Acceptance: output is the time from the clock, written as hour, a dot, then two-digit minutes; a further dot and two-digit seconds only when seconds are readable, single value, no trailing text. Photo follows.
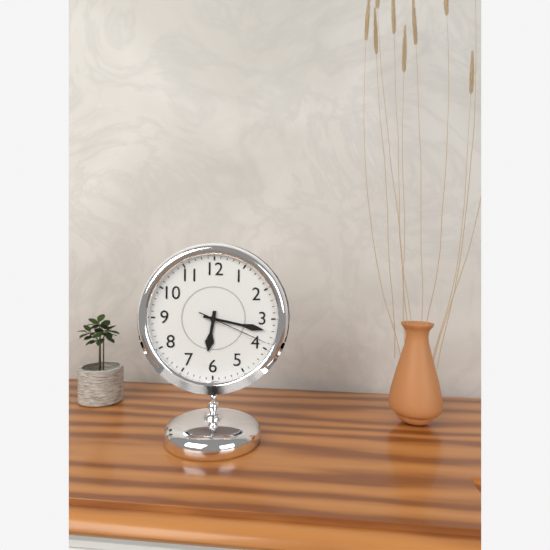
6.17.19
